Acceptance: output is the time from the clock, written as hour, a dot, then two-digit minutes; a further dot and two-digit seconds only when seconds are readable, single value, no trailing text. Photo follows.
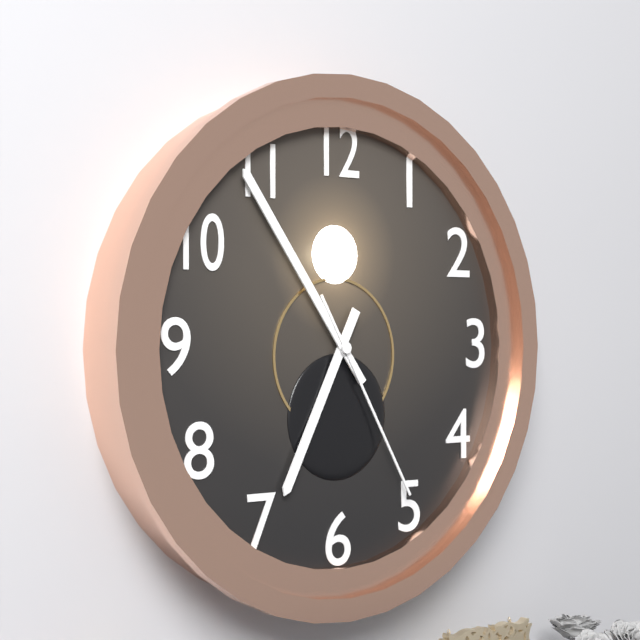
6.54.25
